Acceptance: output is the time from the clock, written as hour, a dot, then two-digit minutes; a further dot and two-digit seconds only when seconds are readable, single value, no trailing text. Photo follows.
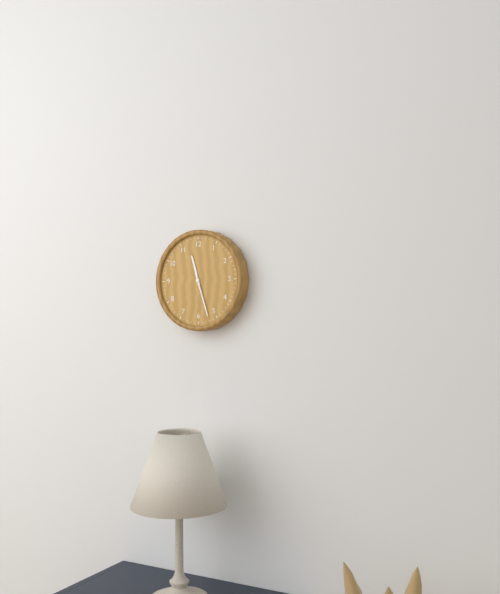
11.27
